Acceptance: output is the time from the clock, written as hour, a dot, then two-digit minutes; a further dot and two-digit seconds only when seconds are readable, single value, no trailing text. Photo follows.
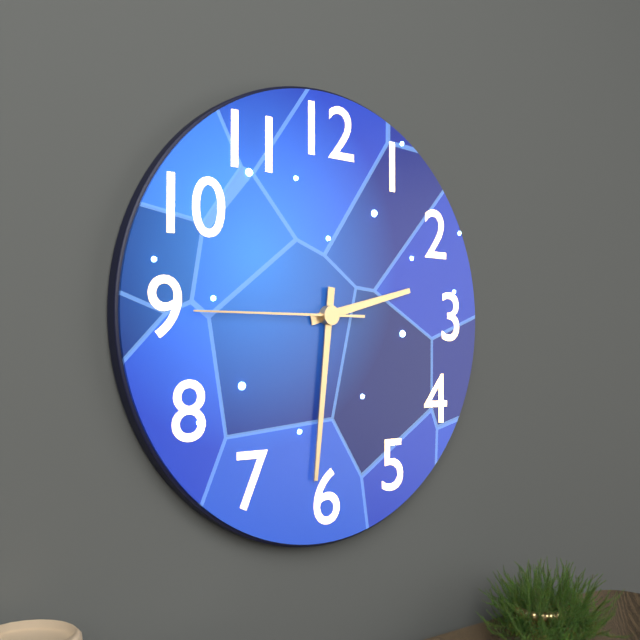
2.31.45
